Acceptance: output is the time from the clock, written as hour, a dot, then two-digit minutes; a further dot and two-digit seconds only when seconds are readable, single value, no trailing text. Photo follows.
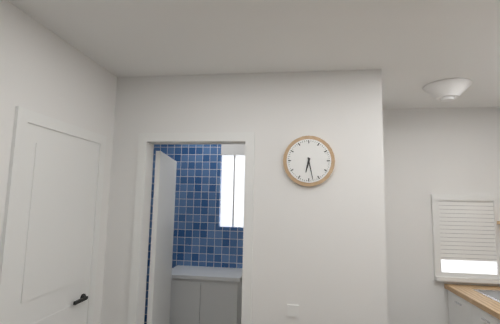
6.28
